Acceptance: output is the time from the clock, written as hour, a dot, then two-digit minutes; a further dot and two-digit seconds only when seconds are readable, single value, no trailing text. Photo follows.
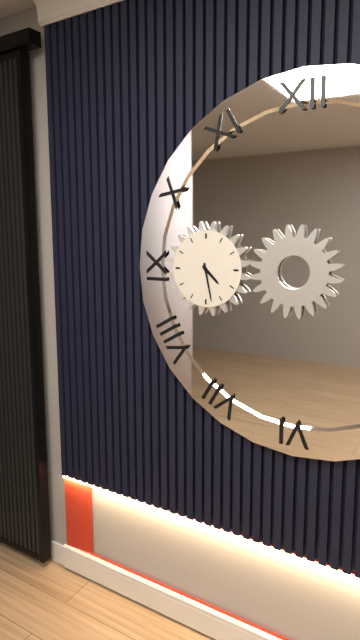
4.28
